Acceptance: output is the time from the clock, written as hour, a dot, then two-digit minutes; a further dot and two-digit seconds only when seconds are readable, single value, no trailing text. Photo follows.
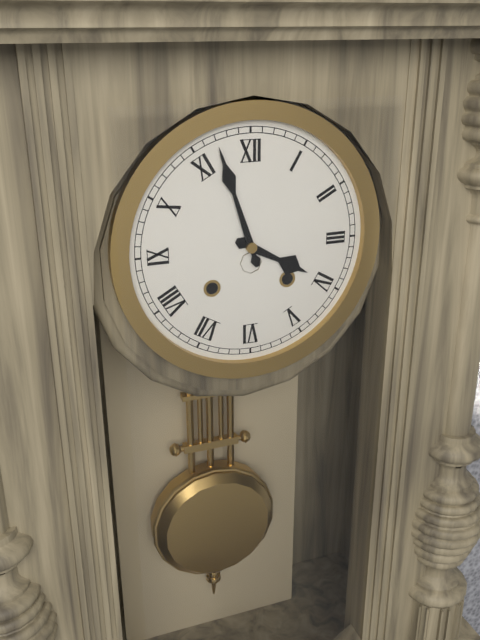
3.57
